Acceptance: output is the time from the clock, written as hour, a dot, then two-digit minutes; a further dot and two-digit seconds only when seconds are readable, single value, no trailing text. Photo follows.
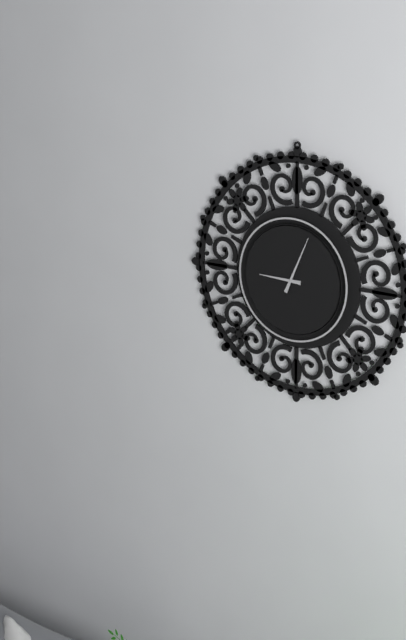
9.04
